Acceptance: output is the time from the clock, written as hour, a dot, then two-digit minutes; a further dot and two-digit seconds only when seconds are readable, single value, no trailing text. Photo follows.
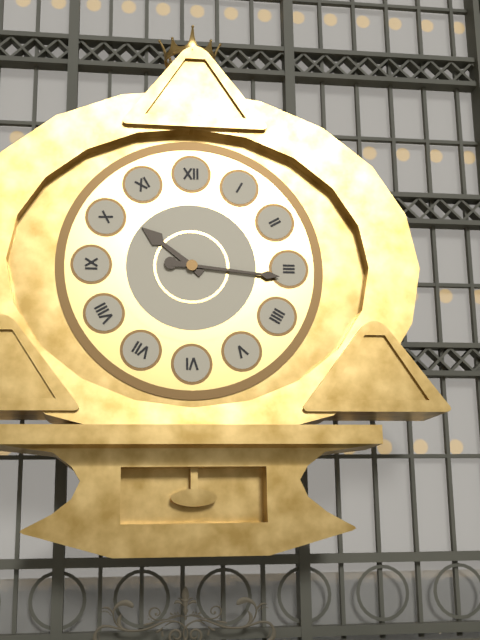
10.16
